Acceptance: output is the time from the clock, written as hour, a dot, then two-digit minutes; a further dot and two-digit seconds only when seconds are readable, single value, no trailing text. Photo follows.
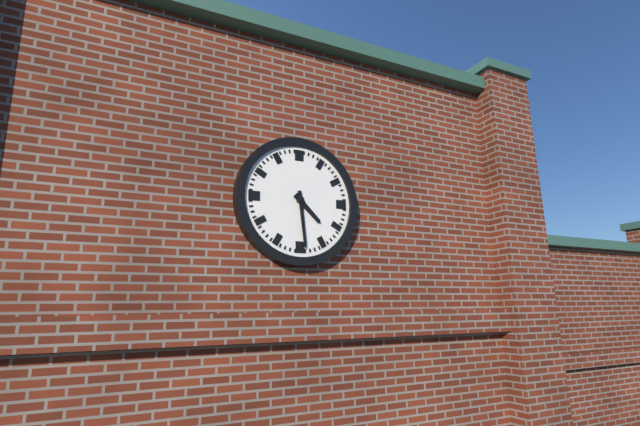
4.29
